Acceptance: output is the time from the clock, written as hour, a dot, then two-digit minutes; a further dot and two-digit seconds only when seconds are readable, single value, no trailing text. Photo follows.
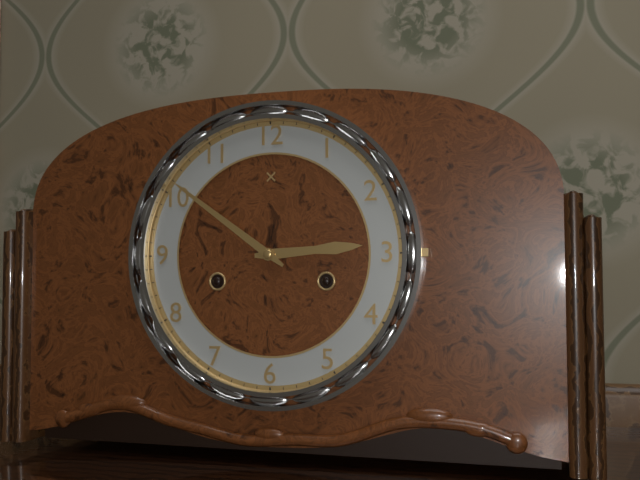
2.51
